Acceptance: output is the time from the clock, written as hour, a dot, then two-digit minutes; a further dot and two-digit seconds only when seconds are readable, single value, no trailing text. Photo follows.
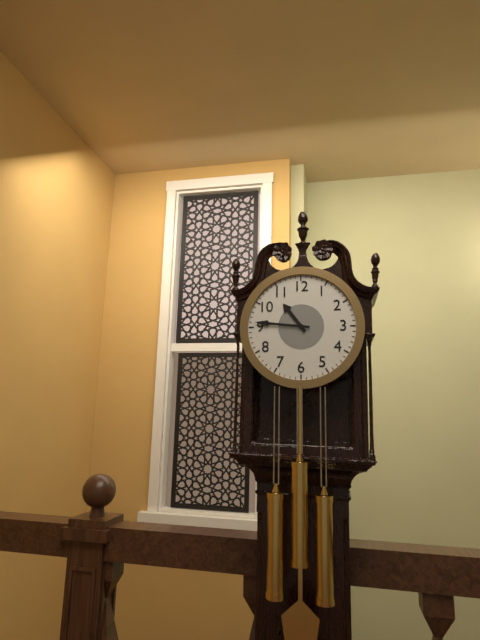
10.46
